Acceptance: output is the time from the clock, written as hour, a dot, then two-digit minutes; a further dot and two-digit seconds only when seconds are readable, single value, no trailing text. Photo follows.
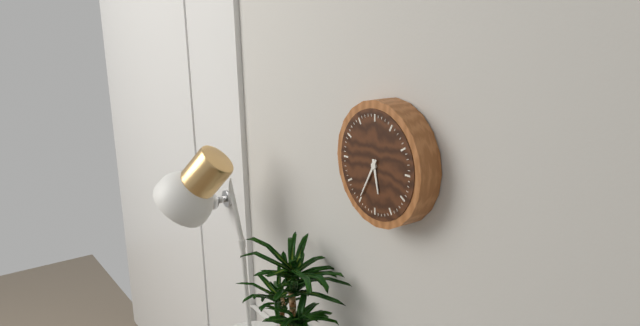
5.35
